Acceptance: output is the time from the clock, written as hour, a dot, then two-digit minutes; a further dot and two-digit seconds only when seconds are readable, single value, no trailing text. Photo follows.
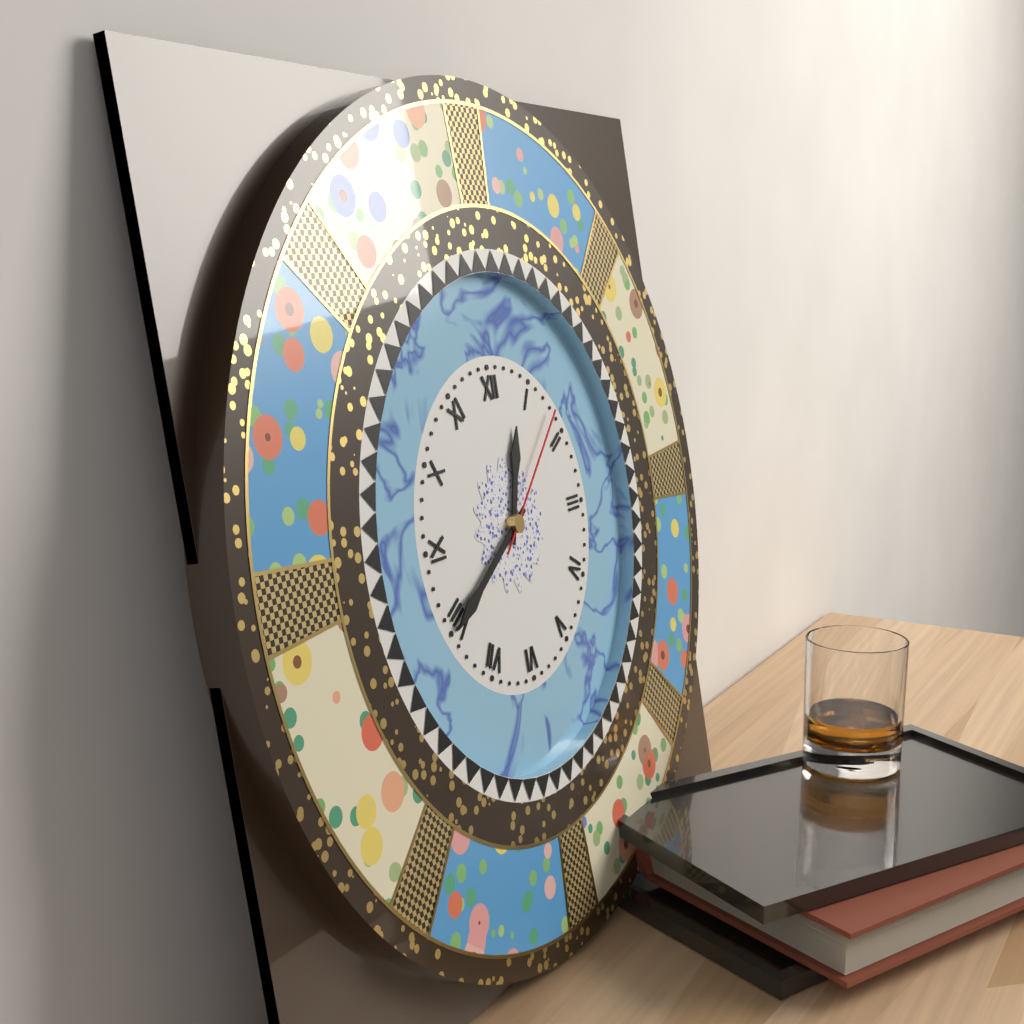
12.40.08
